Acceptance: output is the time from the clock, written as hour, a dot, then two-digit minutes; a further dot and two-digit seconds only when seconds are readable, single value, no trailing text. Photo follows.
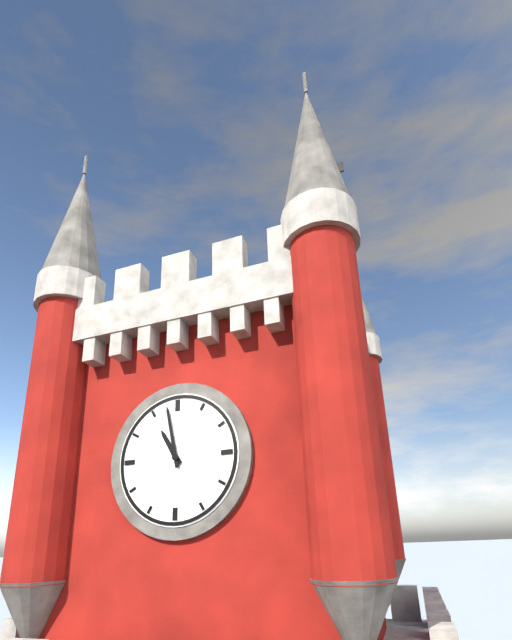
10.58
